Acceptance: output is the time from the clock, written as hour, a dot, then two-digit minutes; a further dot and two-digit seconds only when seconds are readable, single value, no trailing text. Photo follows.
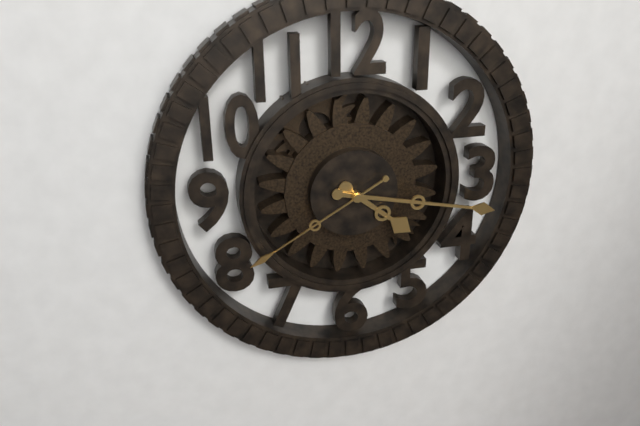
4.17.40
